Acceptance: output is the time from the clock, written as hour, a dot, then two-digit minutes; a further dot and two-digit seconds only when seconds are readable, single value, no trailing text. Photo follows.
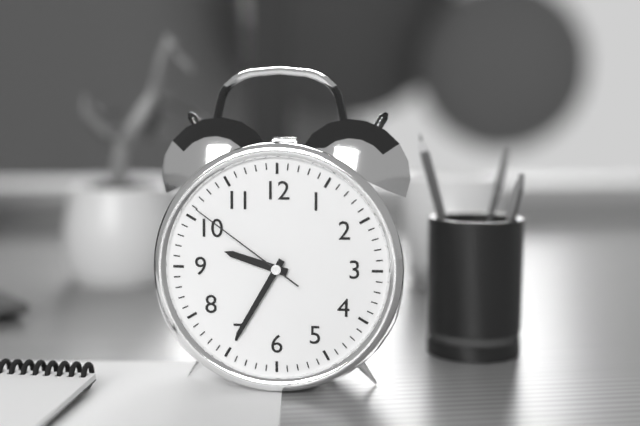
9.35.51
